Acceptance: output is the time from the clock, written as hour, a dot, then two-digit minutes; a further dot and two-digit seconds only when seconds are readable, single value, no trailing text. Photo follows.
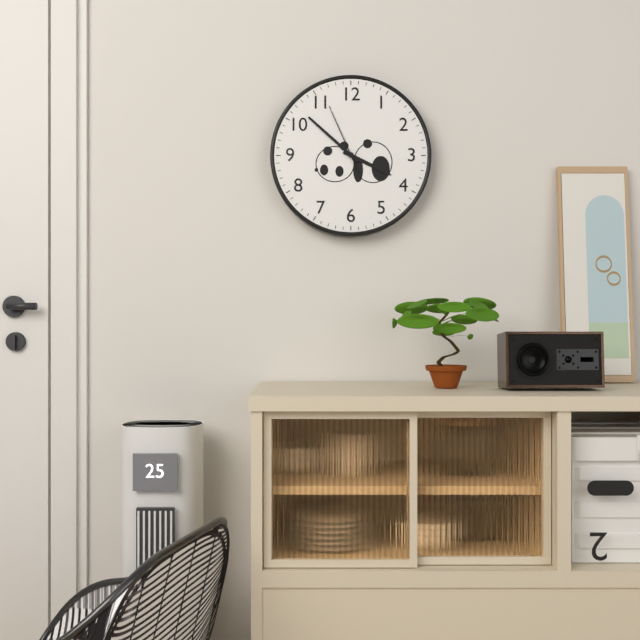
3.52.56
